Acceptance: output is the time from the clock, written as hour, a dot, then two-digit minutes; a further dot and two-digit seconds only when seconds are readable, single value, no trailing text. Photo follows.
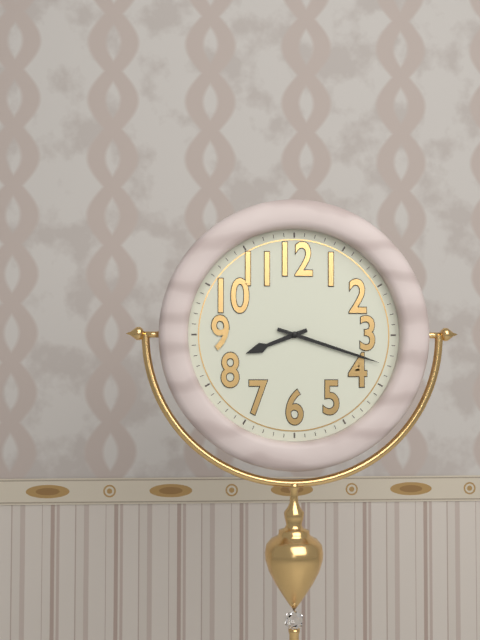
8.18
